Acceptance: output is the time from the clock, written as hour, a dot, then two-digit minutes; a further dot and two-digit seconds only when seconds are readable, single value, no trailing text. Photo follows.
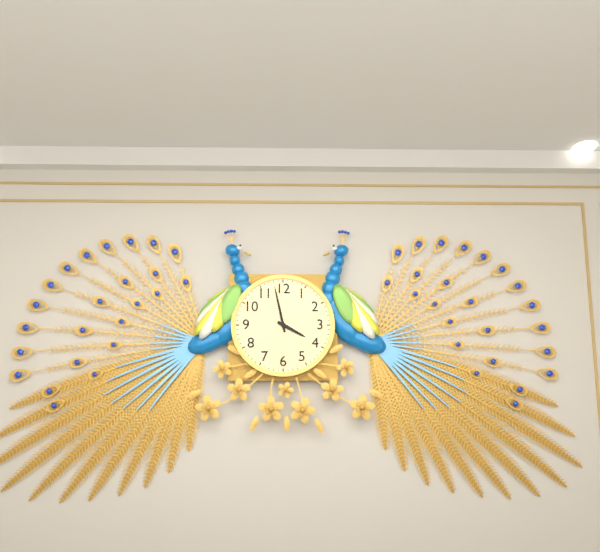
3.58
